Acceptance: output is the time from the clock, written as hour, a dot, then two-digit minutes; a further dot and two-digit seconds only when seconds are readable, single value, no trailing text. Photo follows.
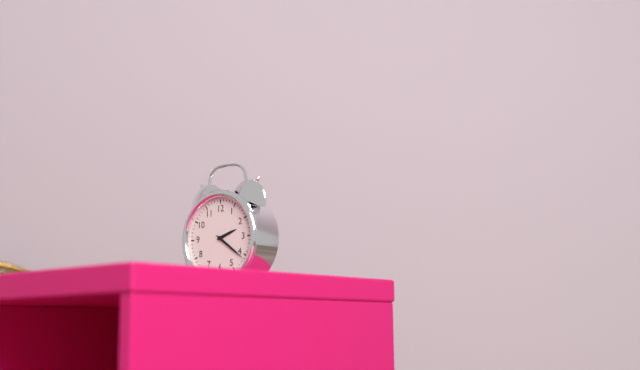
2.21
